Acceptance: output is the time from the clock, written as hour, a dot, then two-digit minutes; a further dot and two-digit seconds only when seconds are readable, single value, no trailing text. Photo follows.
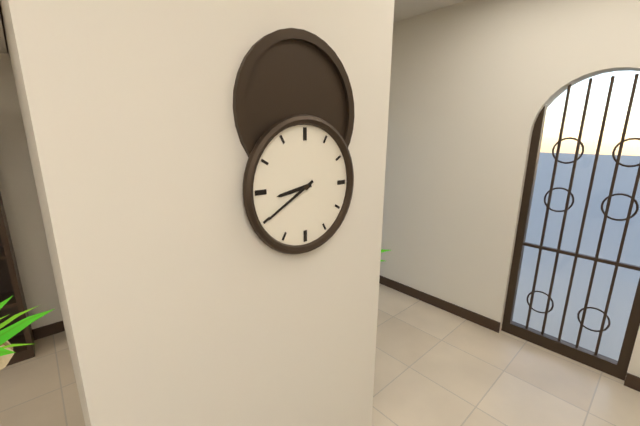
8.40
